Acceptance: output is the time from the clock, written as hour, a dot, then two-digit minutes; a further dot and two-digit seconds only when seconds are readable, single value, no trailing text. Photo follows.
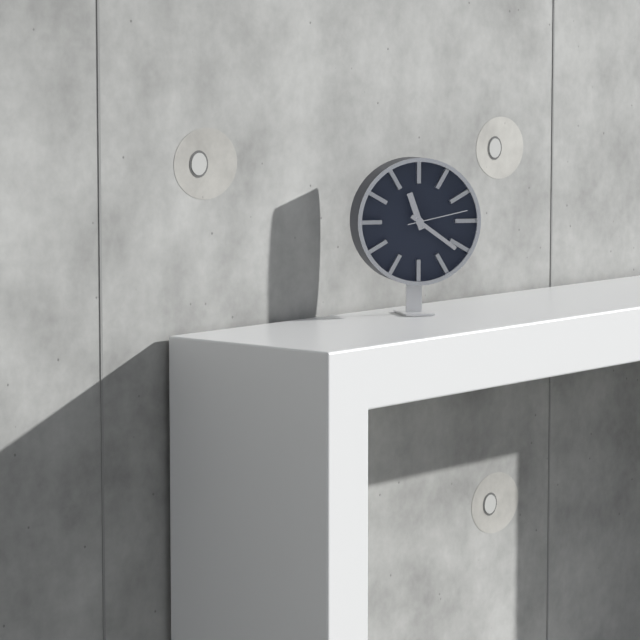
11.21.13
